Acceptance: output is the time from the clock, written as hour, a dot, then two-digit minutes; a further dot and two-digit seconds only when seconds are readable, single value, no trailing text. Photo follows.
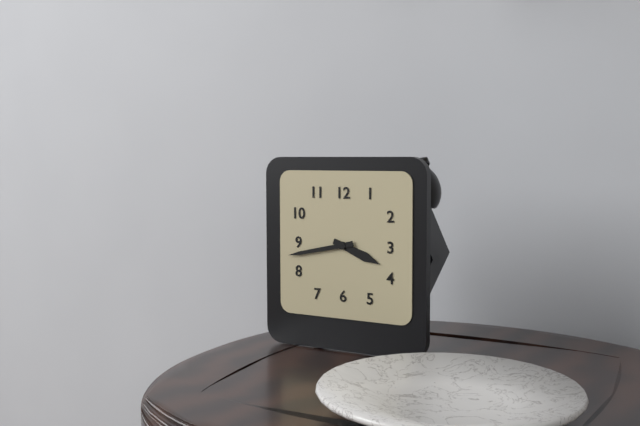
3.43
